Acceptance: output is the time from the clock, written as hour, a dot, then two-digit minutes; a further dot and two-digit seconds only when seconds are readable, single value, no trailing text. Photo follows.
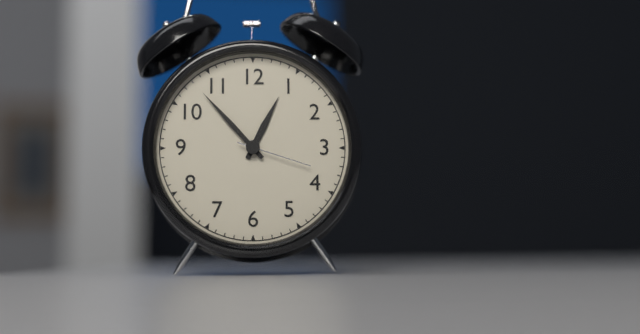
12.53.18
